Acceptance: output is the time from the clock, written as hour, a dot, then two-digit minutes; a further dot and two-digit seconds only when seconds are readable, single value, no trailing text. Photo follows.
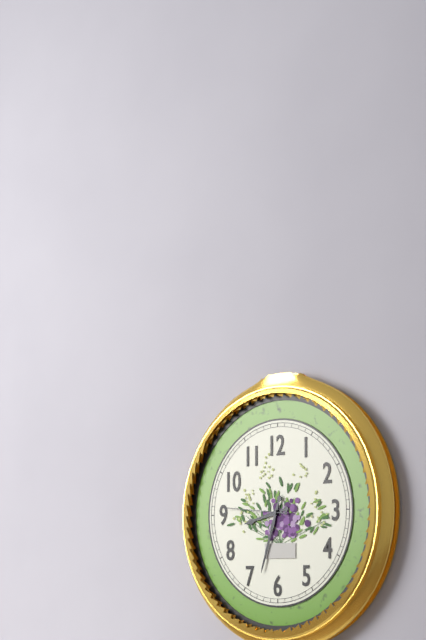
8.33.46
